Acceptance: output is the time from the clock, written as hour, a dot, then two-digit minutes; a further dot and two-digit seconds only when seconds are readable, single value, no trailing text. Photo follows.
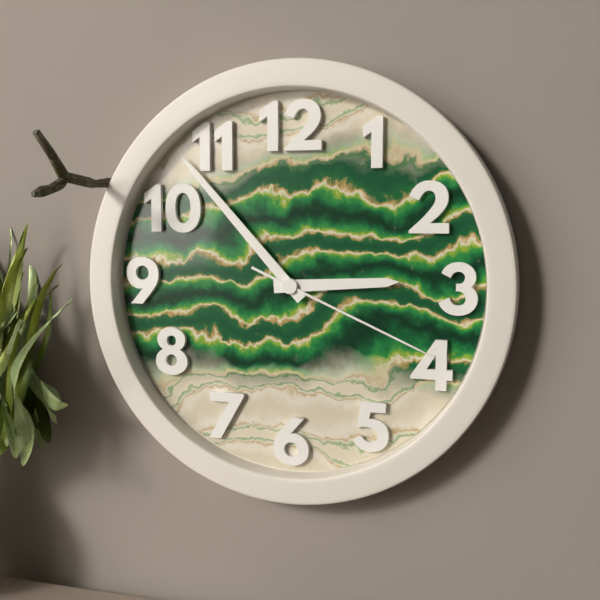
2.53.19
